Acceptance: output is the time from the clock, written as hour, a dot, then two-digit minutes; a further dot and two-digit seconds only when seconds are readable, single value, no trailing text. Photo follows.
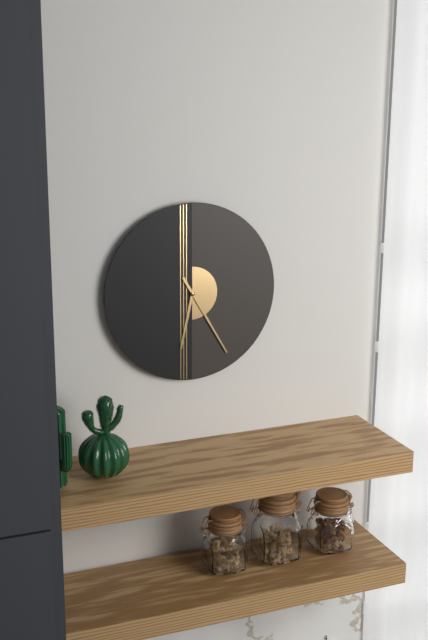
6.25
